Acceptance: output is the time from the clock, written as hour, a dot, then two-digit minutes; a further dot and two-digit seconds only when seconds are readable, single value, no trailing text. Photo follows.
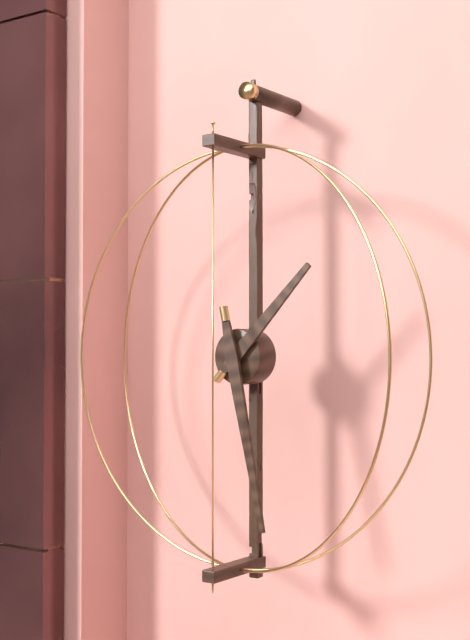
1.28
